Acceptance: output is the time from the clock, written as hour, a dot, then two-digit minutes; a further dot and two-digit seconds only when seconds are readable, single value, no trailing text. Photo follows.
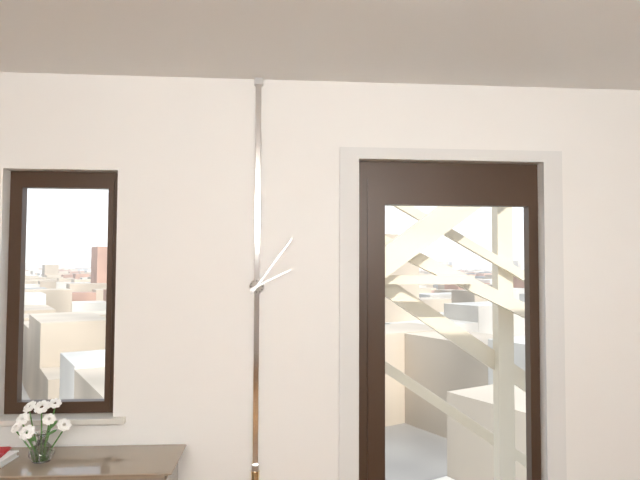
2.06
